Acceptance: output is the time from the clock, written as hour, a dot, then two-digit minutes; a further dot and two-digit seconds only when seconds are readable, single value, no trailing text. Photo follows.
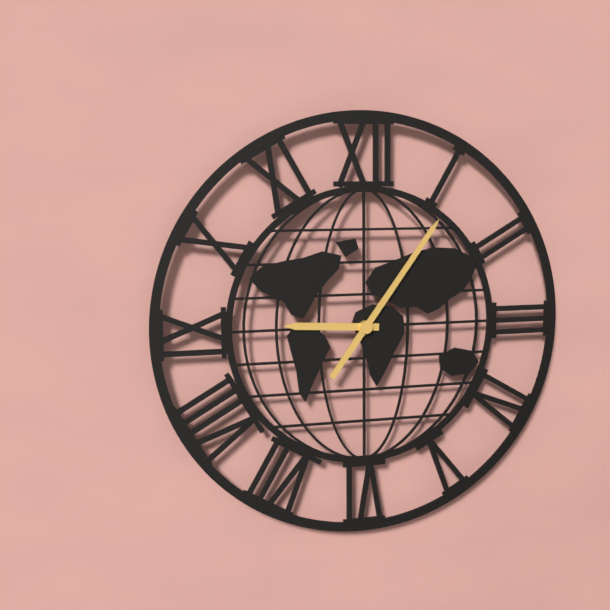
9.06
